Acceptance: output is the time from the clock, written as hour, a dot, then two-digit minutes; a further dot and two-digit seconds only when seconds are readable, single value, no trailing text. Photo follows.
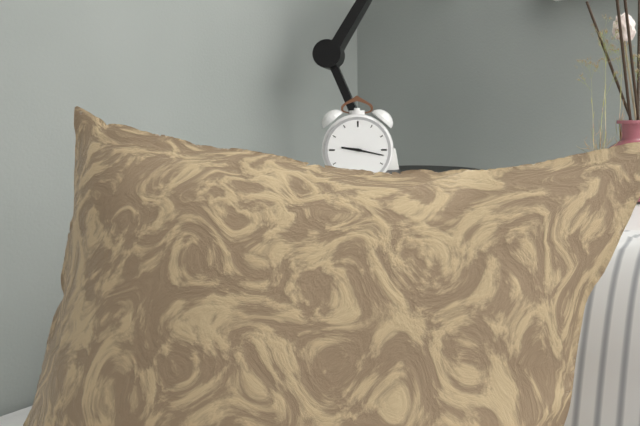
9.17
